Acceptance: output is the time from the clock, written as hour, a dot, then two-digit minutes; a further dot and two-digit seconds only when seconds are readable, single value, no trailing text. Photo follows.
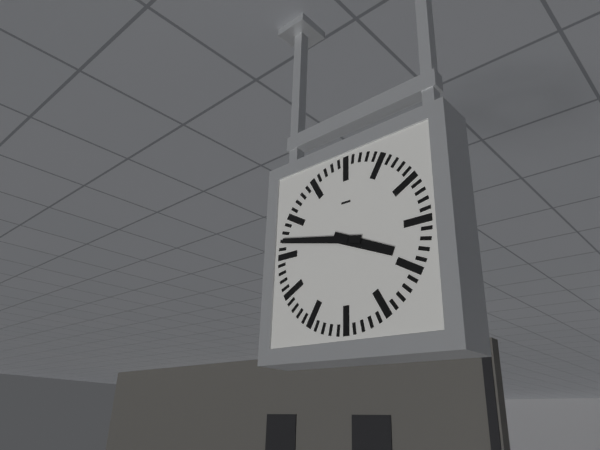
3.47
